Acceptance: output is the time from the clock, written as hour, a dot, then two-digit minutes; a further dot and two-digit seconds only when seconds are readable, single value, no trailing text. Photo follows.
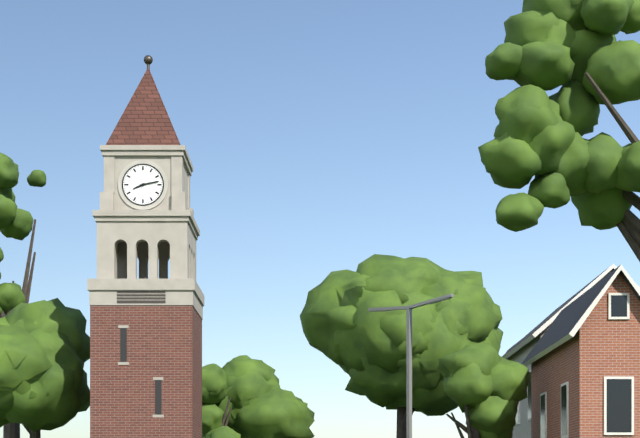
8.13
